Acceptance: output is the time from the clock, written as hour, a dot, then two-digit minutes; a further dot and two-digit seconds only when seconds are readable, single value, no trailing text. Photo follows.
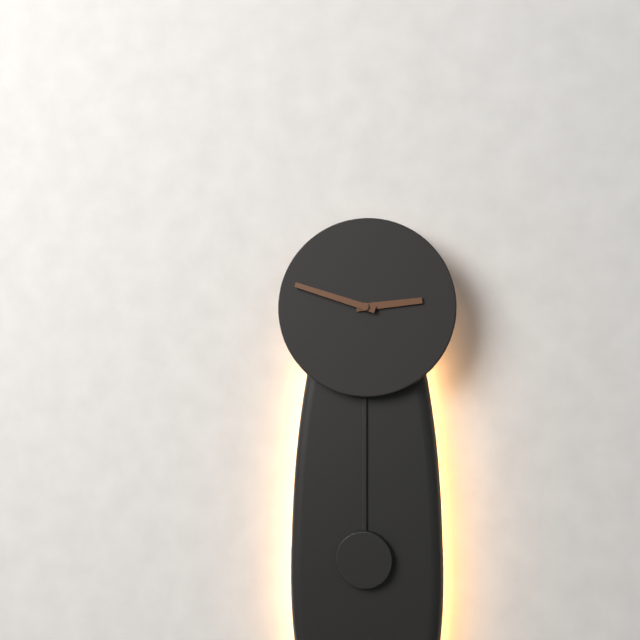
2.48
